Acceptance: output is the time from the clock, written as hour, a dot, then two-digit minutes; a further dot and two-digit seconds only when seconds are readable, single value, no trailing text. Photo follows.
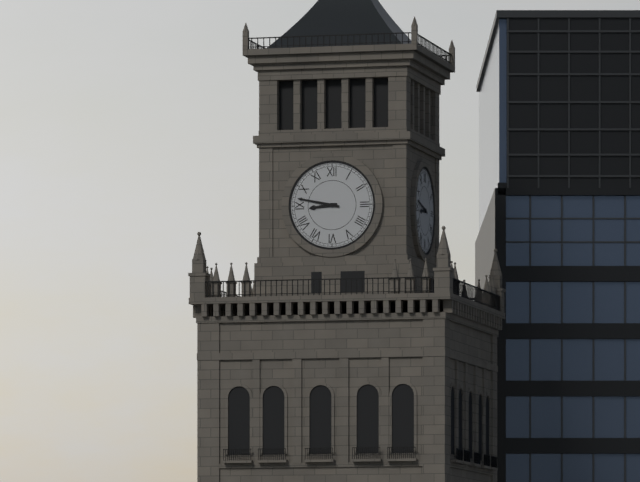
8.47
